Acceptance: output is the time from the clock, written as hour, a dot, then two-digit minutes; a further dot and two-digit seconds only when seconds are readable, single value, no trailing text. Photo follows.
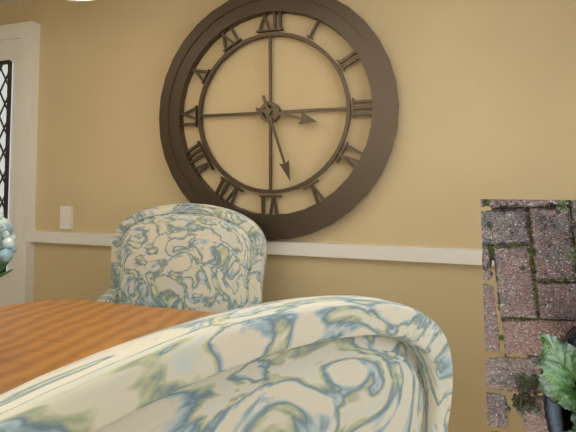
3.27
